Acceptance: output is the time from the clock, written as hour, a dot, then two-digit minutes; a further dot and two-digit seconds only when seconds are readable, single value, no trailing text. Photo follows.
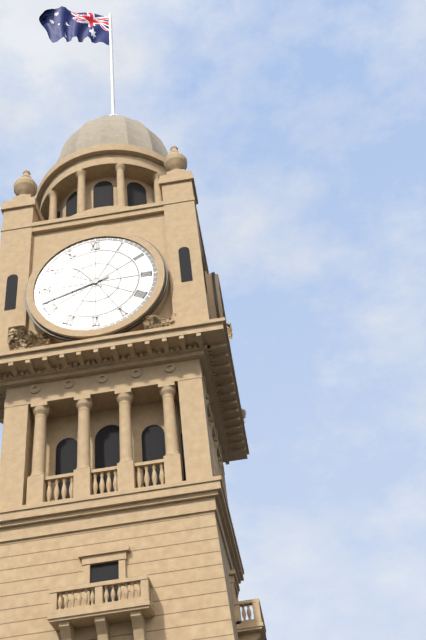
10.42
